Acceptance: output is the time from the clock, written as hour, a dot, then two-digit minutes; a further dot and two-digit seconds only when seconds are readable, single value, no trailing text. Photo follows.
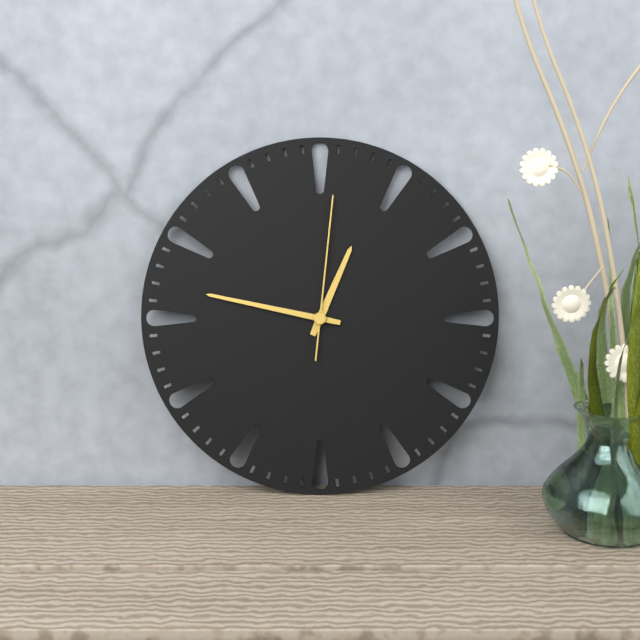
12.47.01
